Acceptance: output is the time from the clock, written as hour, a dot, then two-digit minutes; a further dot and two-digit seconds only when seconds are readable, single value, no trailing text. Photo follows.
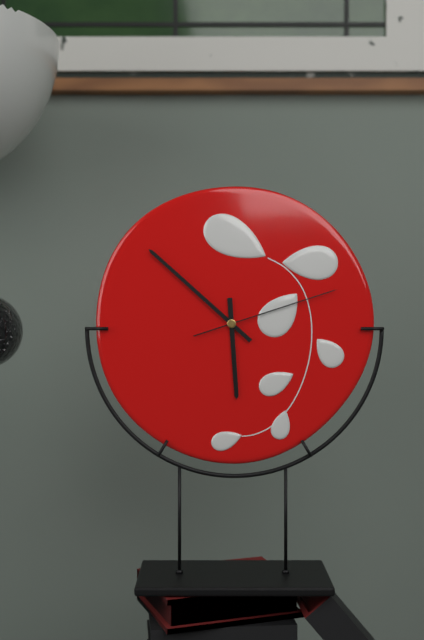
5.52.12
